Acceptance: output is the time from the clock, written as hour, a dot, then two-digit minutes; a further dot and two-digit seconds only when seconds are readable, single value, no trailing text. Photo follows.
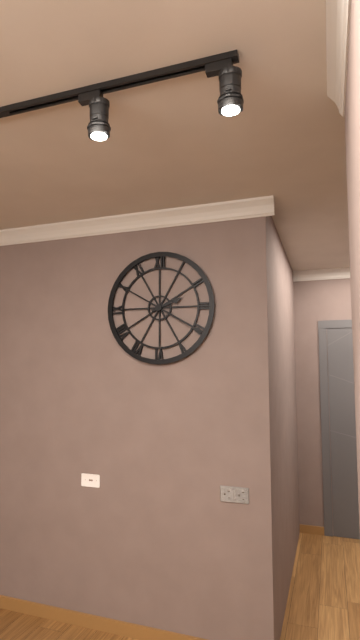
2.20
